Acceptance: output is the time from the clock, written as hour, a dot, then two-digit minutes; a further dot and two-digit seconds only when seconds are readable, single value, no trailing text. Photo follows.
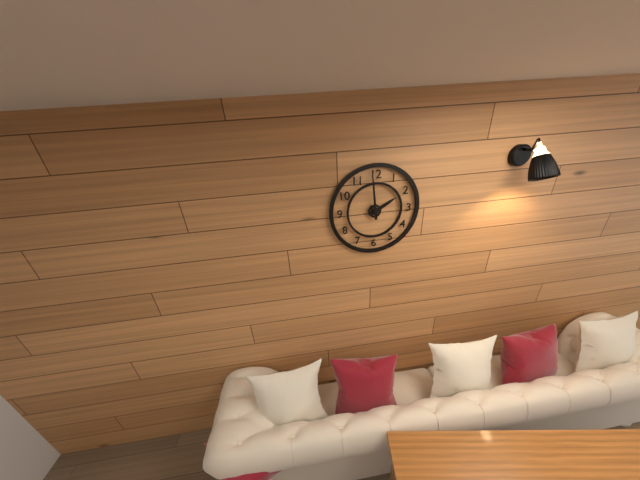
1.59
